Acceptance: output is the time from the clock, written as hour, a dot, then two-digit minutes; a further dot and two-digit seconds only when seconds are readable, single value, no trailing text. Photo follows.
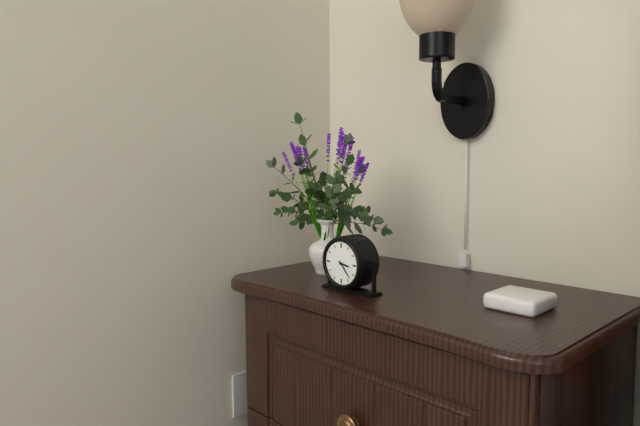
3.23
